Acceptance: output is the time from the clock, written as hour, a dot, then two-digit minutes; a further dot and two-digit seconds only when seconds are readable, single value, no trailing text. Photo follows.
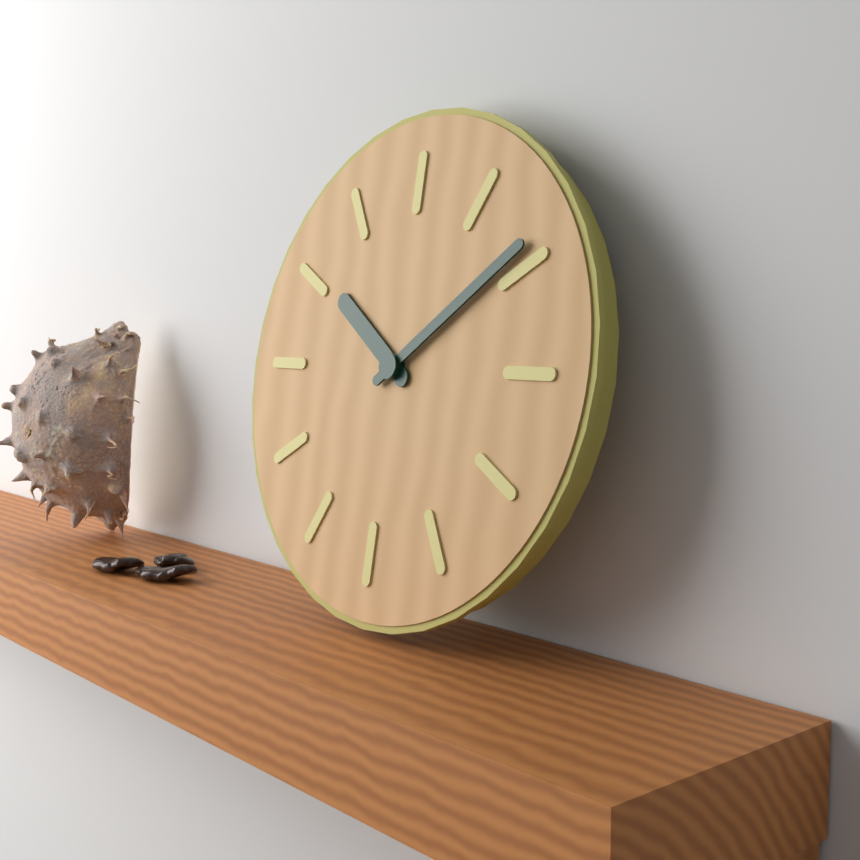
10.09
